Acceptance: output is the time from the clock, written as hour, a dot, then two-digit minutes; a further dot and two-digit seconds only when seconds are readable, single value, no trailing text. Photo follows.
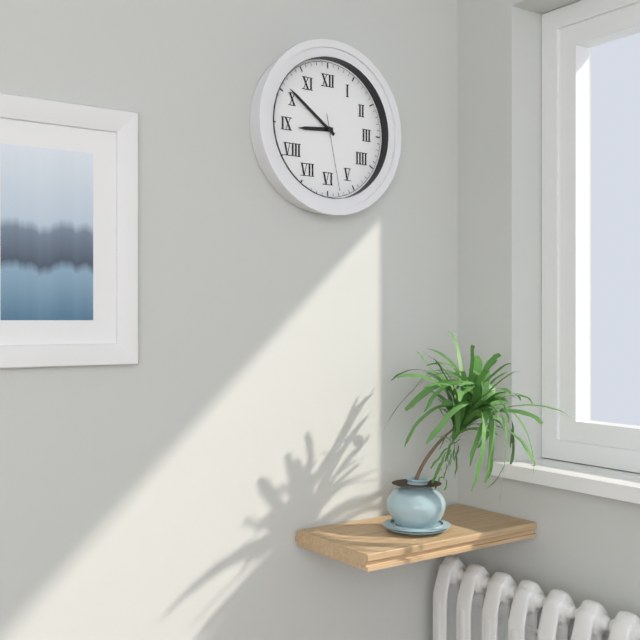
8.51.28
